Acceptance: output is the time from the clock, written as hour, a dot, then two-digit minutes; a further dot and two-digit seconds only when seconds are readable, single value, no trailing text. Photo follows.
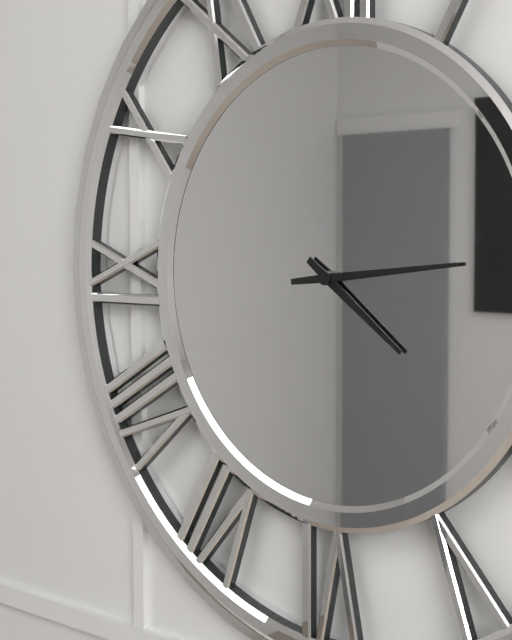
4.14
